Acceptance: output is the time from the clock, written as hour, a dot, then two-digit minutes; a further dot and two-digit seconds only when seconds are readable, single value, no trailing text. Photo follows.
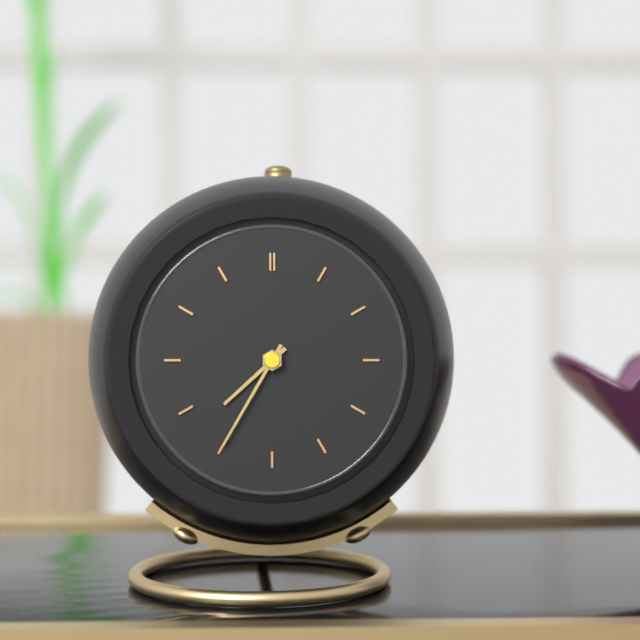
7.35
